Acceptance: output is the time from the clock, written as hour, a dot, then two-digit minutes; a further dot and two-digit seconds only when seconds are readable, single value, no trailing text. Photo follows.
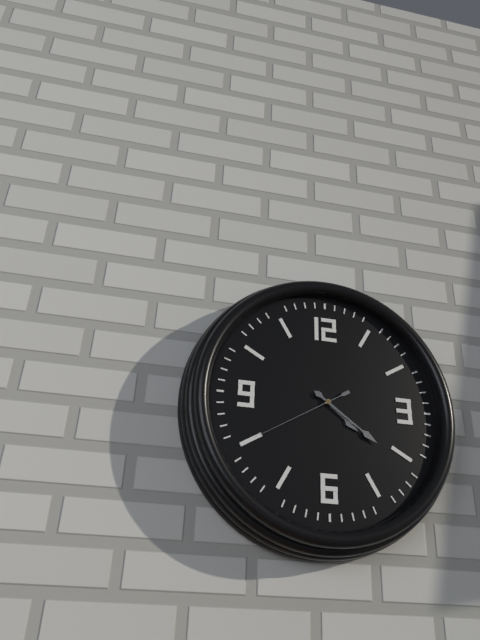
4.21.40
